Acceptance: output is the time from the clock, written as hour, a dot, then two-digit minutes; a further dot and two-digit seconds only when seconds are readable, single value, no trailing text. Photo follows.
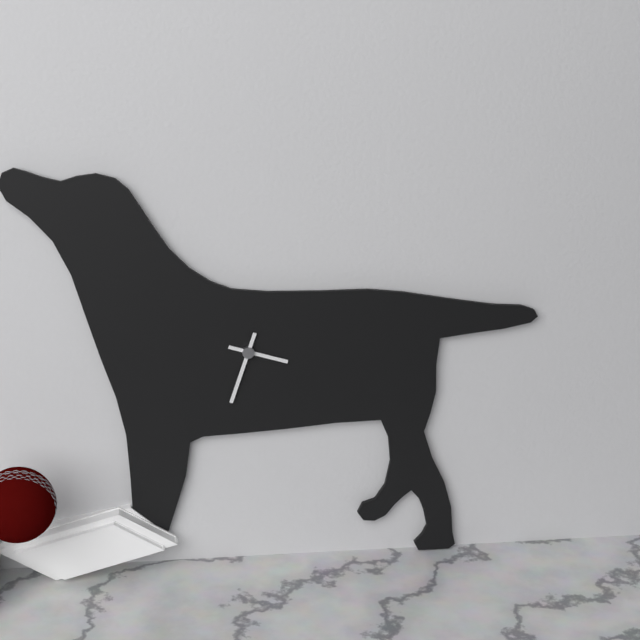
3.33
